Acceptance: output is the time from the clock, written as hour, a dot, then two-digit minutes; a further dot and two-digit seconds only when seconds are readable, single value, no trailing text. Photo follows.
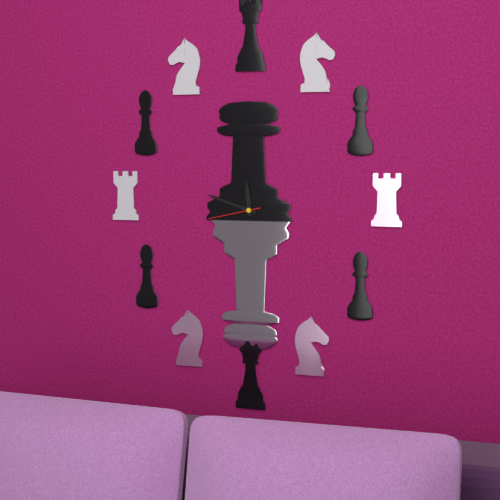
11.48.43
